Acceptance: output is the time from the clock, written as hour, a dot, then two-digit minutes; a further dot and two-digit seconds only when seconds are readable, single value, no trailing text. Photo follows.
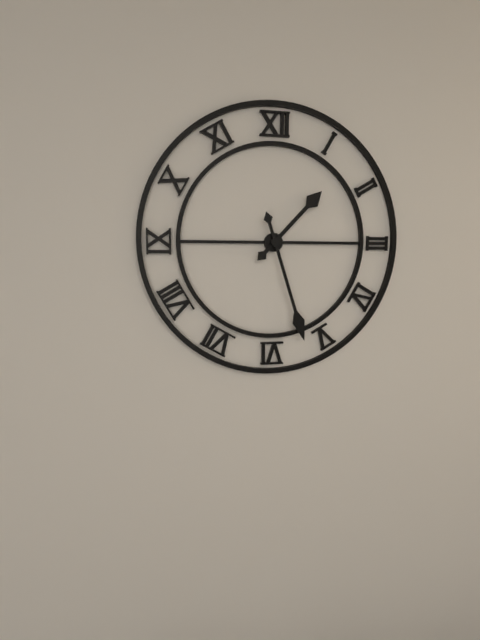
1.27
